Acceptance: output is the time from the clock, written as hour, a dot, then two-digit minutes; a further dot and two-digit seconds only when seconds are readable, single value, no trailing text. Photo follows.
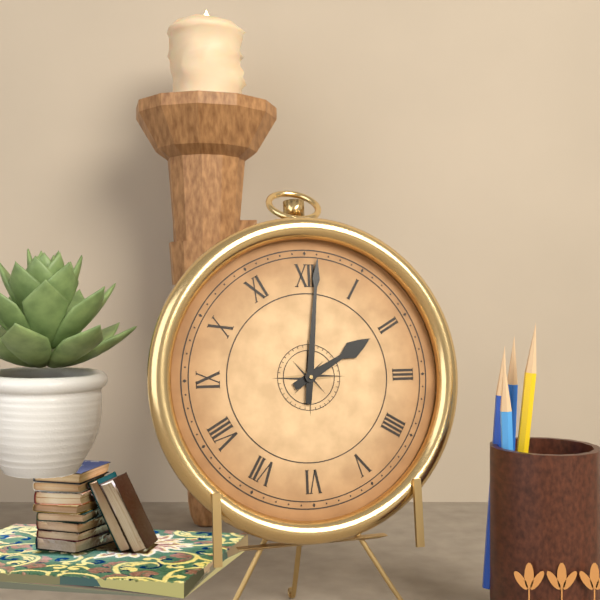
2.01
